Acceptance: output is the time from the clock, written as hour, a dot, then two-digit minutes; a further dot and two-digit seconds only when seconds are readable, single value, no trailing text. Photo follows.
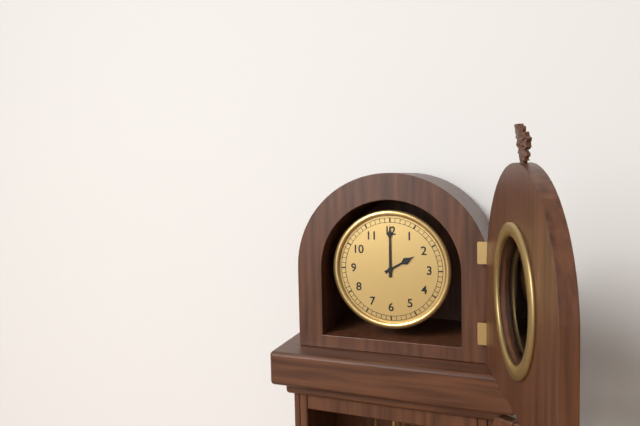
2.00
